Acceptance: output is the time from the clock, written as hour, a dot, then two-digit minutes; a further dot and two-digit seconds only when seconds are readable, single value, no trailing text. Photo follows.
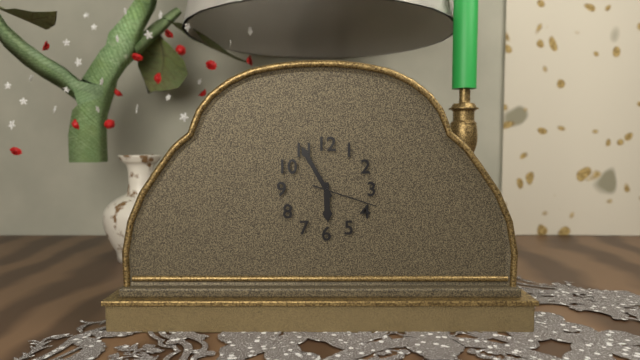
5.55.18
